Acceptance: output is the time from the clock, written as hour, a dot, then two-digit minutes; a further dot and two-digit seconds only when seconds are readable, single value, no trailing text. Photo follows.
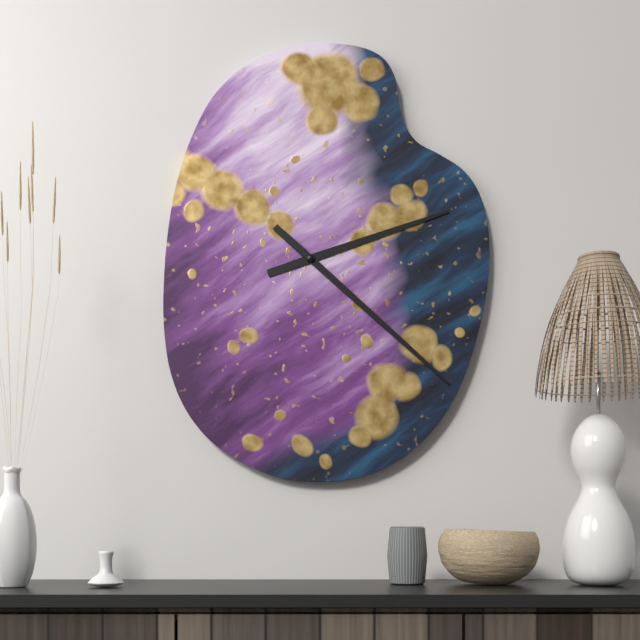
2.22
